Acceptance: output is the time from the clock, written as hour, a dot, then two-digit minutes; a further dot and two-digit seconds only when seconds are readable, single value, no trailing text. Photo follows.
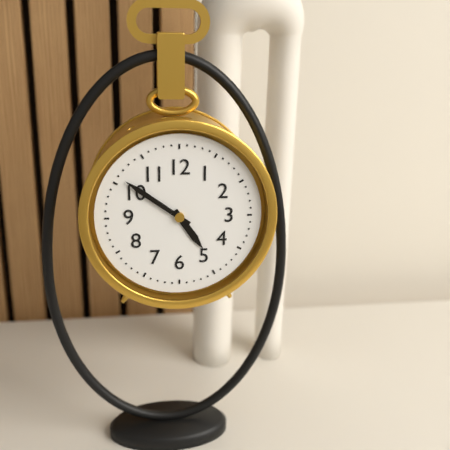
4.51
